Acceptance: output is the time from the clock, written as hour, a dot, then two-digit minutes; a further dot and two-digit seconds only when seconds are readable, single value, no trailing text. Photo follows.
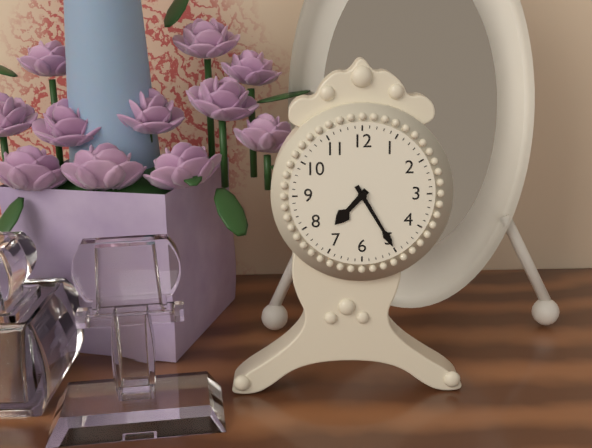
7.25
